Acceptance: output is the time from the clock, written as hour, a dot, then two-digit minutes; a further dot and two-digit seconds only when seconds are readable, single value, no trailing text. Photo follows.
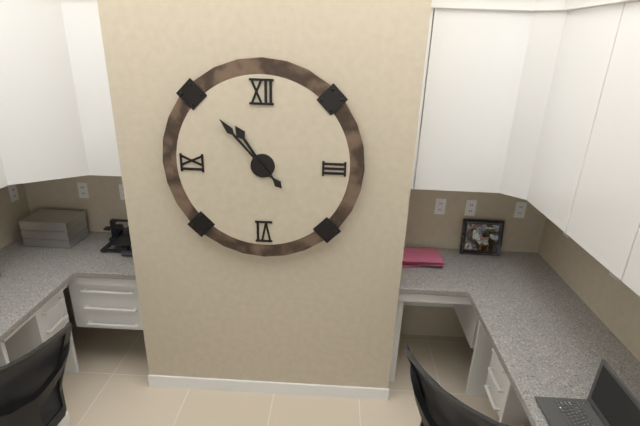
10.53
